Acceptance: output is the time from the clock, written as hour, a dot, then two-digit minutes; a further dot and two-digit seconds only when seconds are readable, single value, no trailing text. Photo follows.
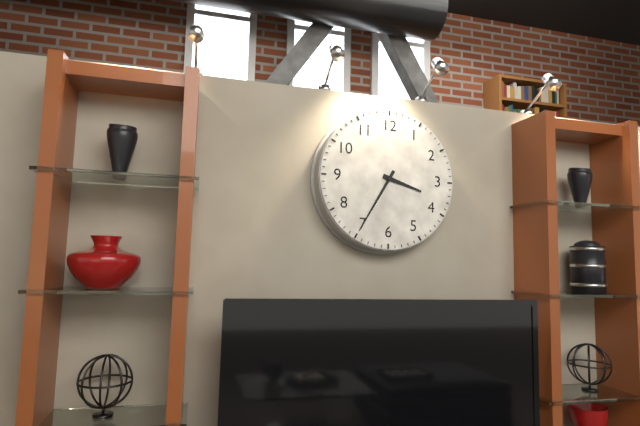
3.35
